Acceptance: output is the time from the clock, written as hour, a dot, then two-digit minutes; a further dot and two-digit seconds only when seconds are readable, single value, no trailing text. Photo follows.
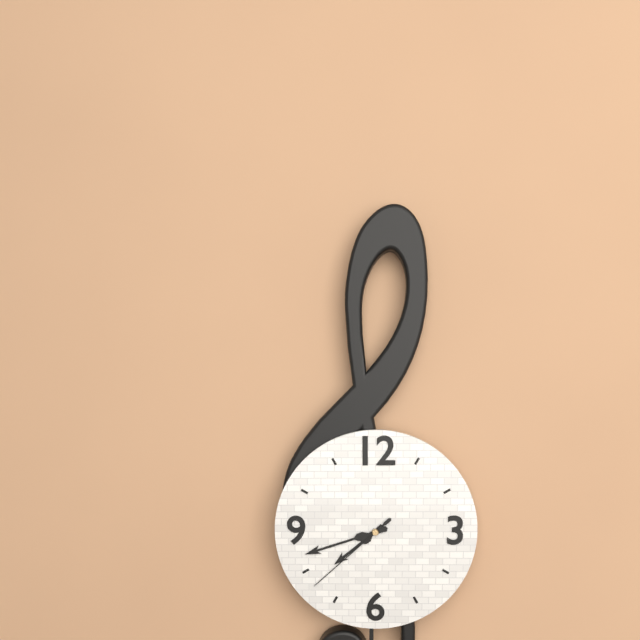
7.42.38
